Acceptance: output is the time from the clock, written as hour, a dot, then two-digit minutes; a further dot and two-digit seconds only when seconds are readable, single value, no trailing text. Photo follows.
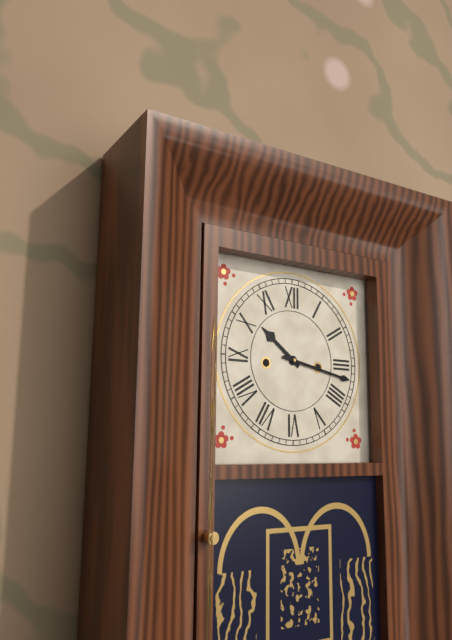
10.17
